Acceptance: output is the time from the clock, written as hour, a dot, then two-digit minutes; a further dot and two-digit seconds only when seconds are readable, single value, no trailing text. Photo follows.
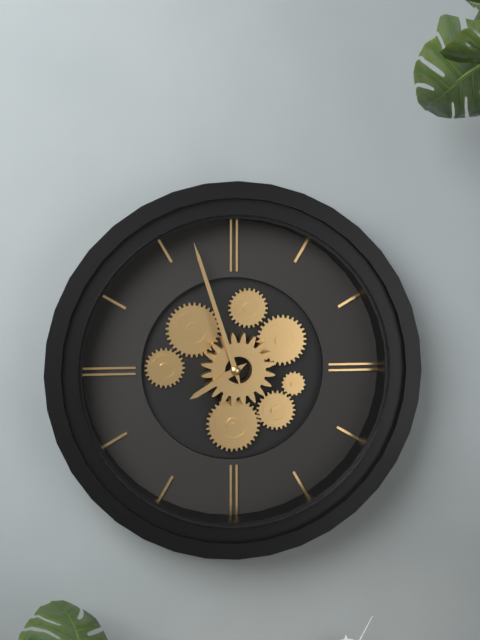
7.57
